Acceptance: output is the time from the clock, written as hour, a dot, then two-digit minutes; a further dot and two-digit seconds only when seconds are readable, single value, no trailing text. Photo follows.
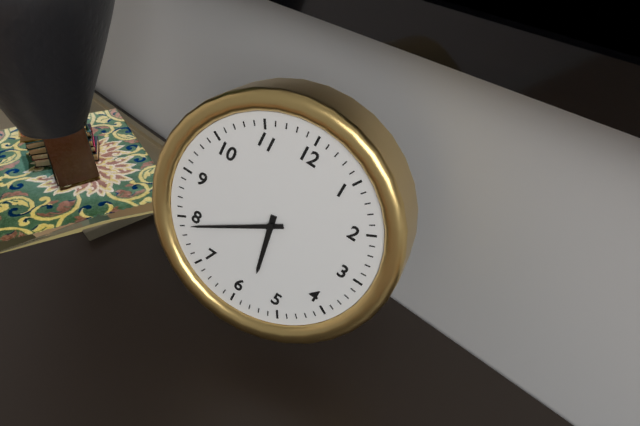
5.39
